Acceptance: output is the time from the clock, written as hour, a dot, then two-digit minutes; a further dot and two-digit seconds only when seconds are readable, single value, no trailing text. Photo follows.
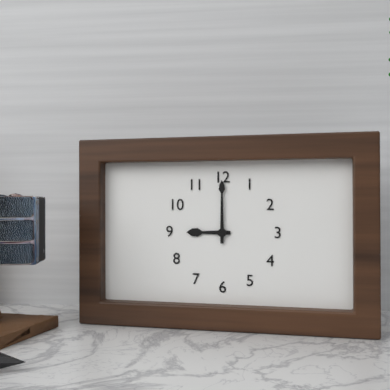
9.00
